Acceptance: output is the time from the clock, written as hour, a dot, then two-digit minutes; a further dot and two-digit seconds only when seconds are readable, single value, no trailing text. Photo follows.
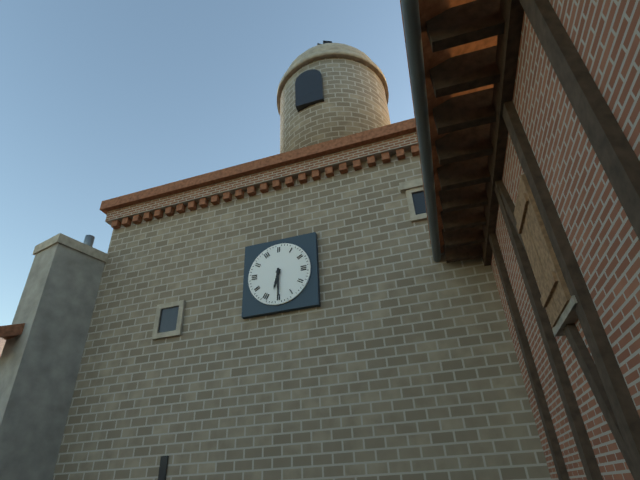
6.30
